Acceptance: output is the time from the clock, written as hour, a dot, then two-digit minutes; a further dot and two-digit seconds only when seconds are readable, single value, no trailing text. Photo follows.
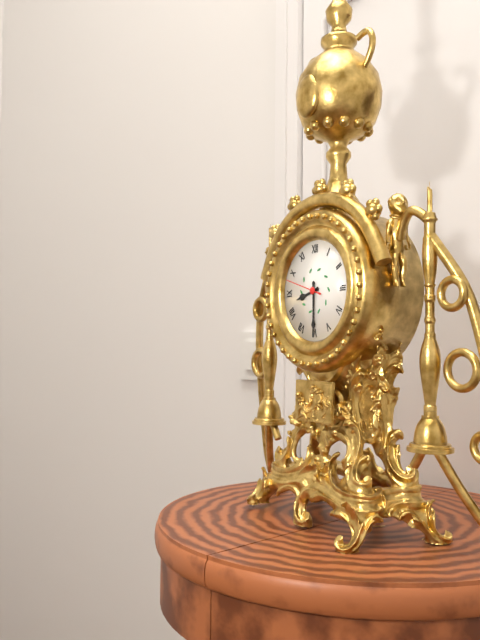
8.30
